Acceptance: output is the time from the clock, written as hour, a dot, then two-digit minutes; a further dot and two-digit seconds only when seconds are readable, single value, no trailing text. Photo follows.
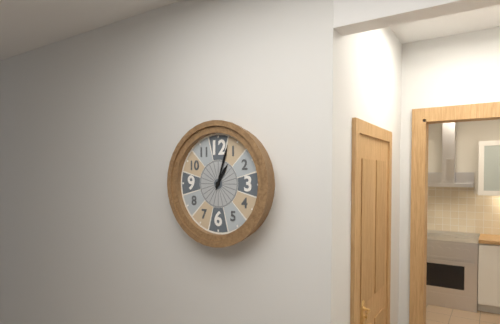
1.03
